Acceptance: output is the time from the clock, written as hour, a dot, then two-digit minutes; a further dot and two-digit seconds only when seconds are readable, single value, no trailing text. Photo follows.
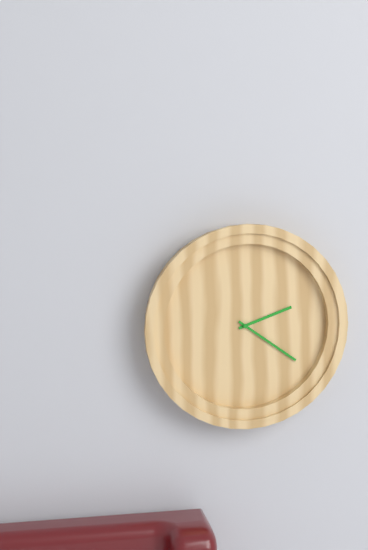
2.21
